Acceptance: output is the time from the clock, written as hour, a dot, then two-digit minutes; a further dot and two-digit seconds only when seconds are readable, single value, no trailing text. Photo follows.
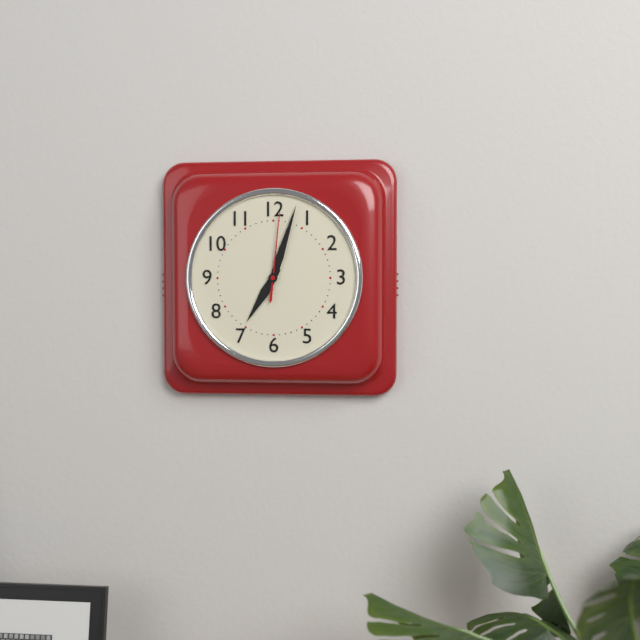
7.03.01
